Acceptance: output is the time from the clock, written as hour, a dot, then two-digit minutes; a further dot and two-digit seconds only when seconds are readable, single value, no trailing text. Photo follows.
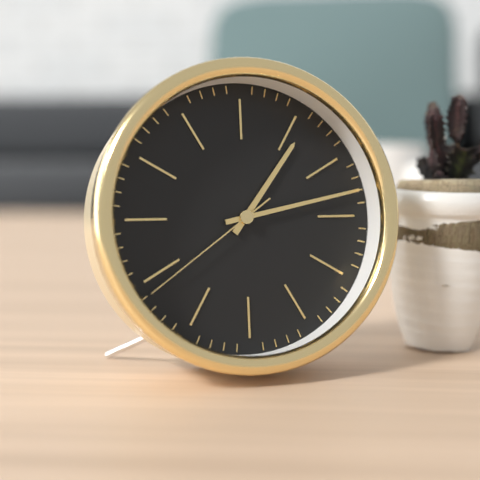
1.13.39
